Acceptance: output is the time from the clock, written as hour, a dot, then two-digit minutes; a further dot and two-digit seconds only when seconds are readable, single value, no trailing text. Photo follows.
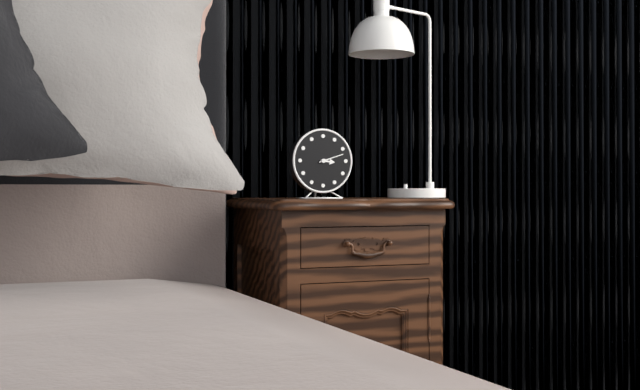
3.12
